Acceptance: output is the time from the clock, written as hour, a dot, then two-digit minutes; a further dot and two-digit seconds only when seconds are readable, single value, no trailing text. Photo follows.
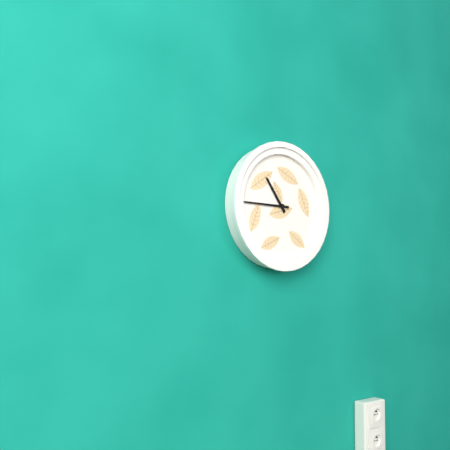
10.45
